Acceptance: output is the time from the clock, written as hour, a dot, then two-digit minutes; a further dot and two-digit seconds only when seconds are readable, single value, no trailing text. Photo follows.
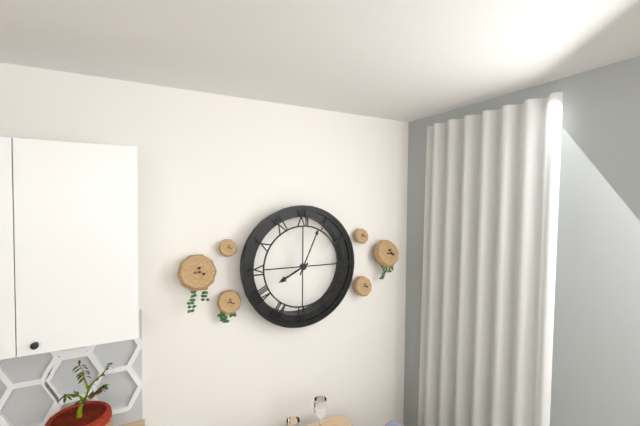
8.04
